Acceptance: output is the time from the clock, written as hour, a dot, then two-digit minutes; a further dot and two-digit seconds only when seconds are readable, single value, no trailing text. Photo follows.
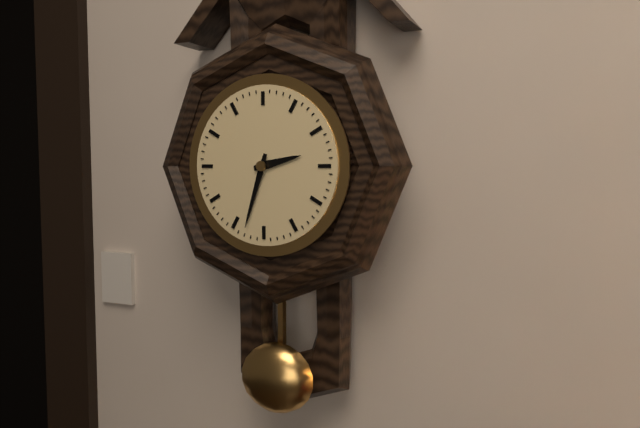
2.33
